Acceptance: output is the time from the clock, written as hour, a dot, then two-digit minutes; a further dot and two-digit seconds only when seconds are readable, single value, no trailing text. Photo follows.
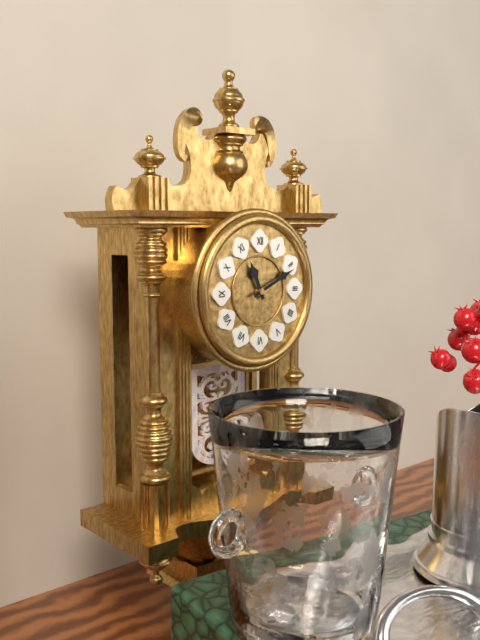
11.11
